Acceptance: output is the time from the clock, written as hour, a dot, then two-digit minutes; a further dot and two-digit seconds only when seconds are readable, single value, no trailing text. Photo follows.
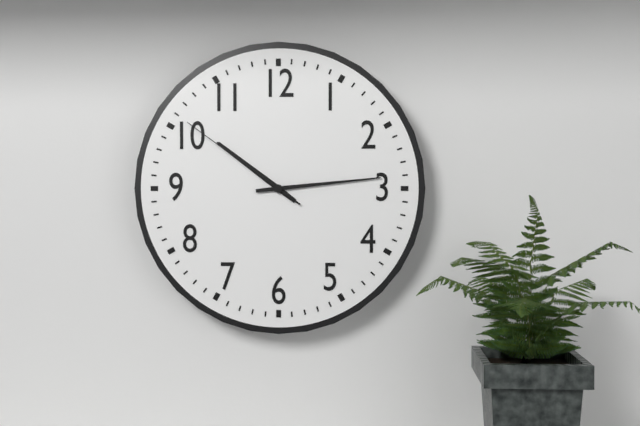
10.14.51
